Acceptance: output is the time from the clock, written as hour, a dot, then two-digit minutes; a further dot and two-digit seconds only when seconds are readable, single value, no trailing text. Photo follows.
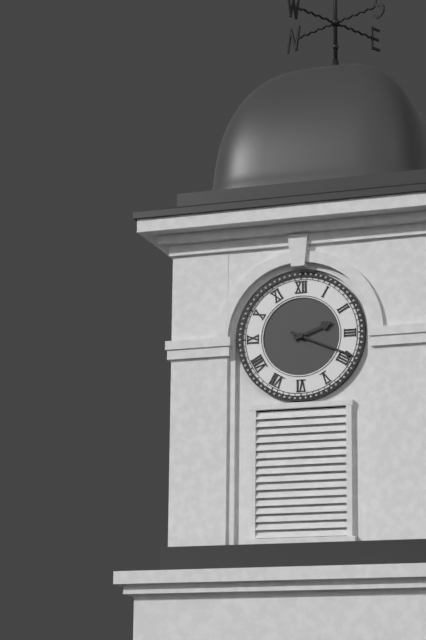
2.19
